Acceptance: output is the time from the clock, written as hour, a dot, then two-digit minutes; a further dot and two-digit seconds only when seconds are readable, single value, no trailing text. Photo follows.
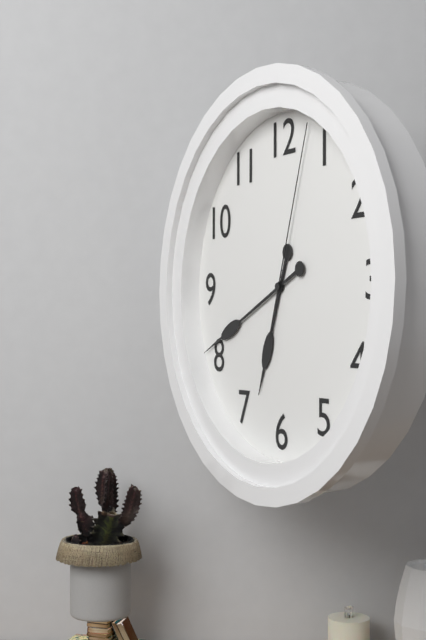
6.41.03
